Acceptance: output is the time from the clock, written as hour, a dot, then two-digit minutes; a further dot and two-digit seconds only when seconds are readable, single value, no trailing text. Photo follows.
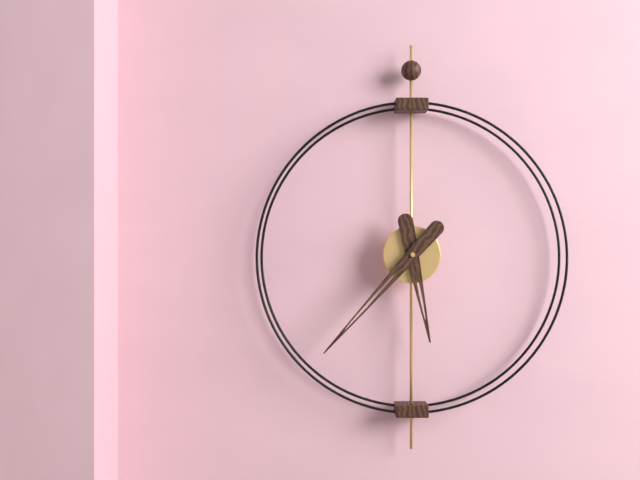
5.37
